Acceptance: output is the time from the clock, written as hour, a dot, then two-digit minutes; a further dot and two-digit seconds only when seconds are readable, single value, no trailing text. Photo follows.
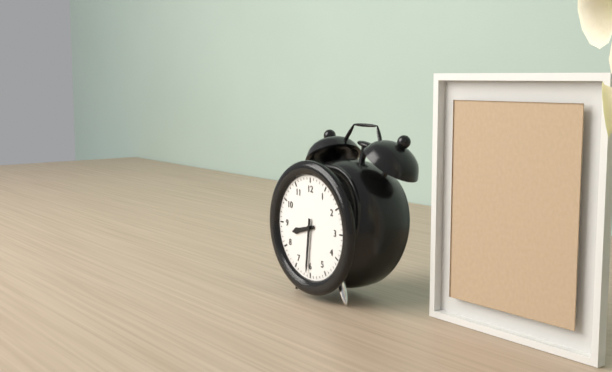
8.31
